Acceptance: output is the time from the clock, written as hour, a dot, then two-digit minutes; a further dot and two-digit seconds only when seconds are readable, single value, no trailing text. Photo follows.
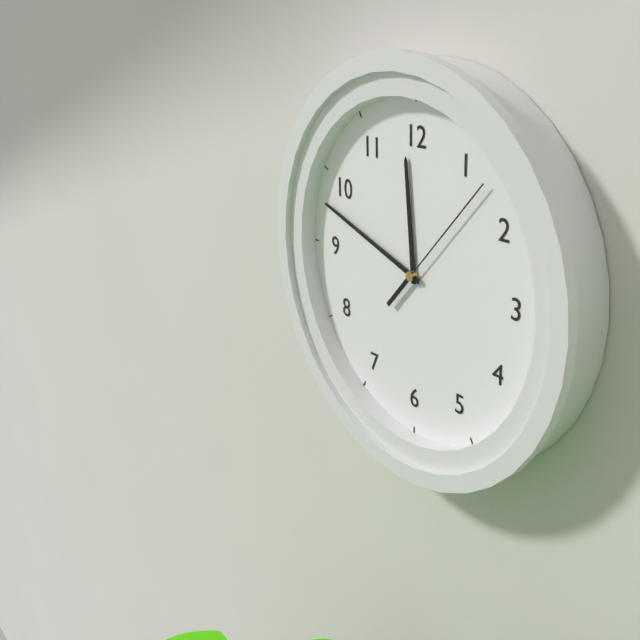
11.48.07
